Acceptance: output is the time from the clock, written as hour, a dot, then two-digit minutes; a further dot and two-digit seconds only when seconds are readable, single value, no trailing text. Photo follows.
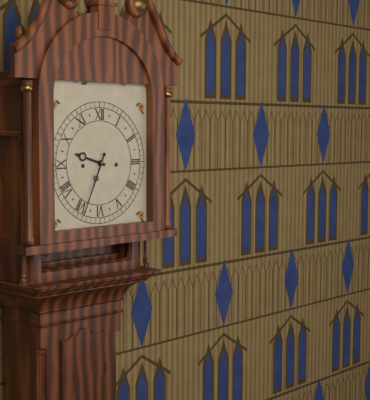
9.34
